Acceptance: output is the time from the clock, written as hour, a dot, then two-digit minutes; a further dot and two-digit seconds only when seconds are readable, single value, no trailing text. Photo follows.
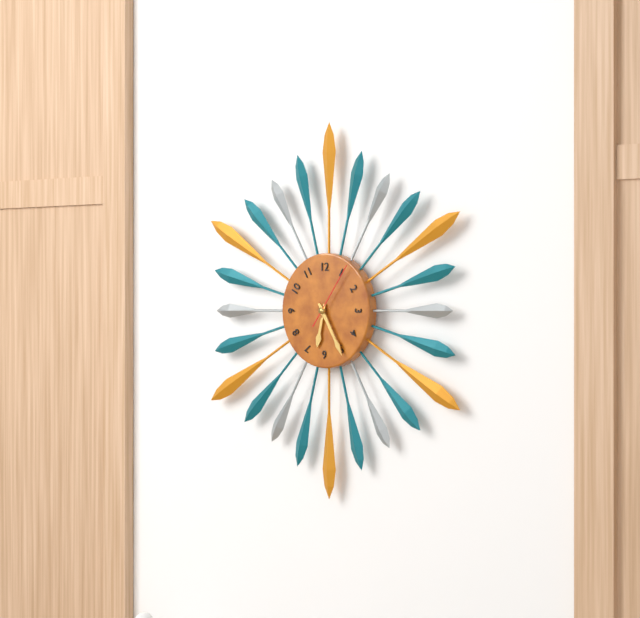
6.25.06
